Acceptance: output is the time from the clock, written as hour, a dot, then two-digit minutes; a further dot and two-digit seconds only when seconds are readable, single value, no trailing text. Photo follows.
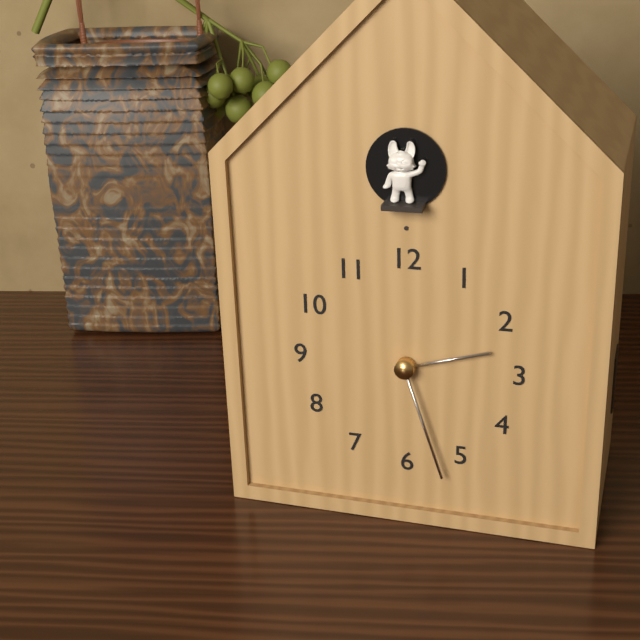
2.27
